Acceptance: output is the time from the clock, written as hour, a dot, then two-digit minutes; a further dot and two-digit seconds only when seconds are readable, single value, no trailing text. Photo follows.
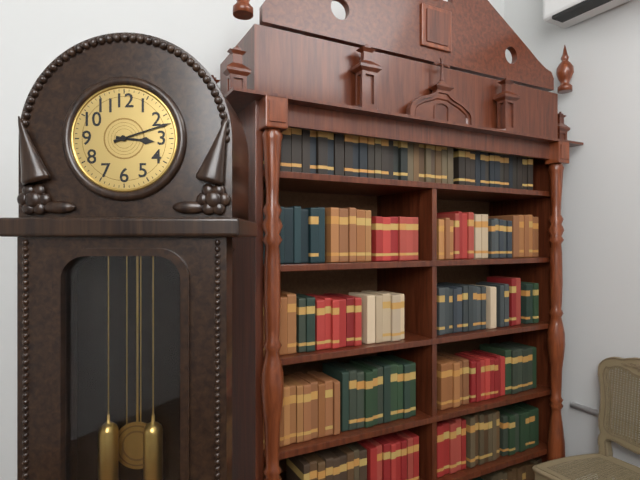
3.12
